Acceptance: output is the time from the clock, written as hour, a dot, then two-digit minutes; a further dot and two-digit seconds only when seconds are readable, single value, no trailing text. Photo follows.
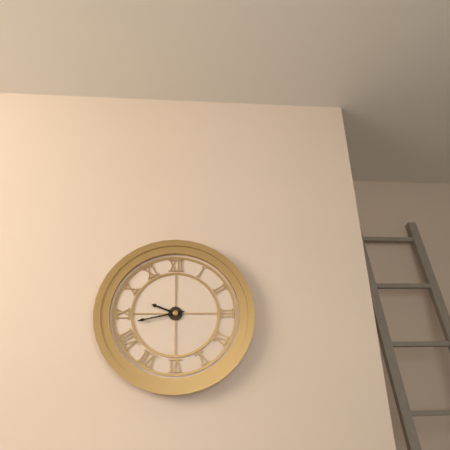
9.43
